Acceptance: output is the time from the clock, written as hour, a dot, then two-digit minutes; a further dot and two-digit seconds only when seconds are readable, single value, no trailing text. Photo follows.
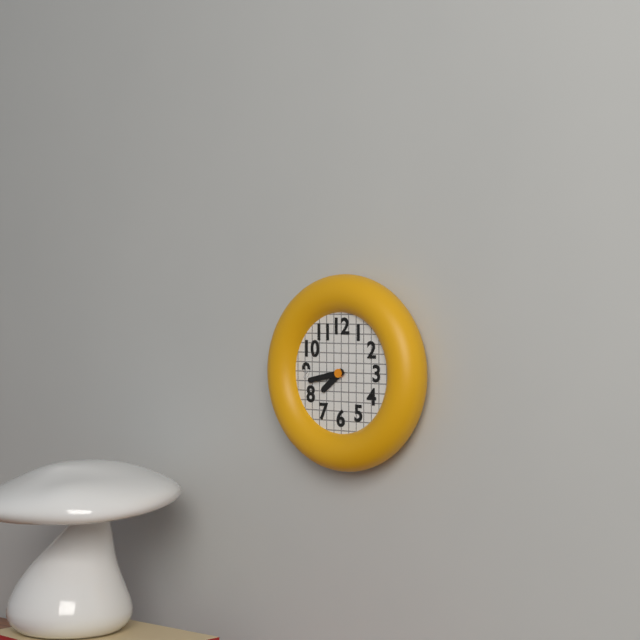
7.43
